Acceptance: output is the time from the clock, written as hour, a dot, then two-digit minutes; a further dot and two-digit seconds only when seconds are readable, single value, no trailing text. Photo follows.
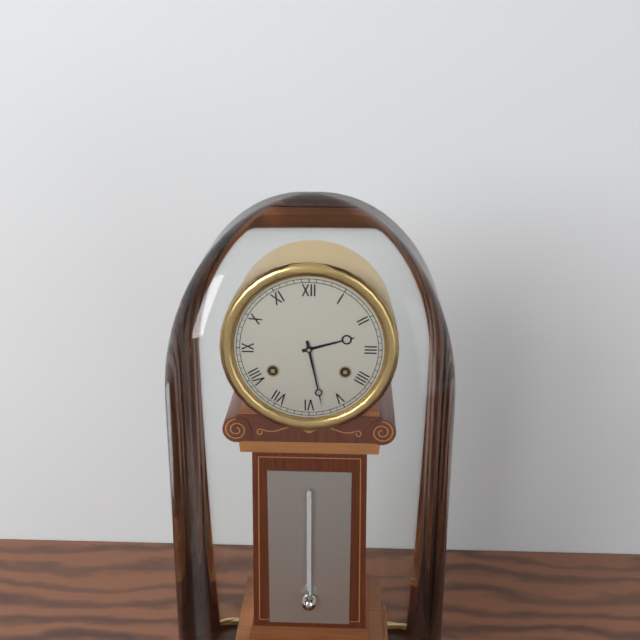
2.28
